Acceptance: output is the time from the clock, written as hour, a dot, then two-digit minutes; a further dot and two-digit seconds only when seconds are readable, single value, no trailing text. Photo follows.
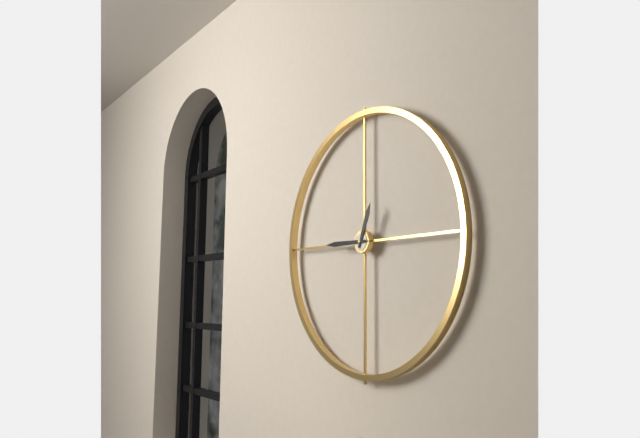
12.45
